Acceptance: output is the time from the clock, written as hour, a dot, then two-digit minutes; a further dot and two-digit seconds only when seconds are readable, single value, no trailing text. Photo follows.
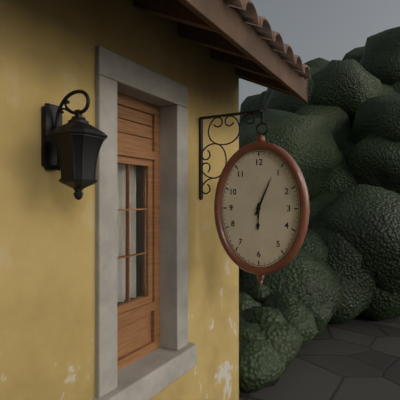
6.04
